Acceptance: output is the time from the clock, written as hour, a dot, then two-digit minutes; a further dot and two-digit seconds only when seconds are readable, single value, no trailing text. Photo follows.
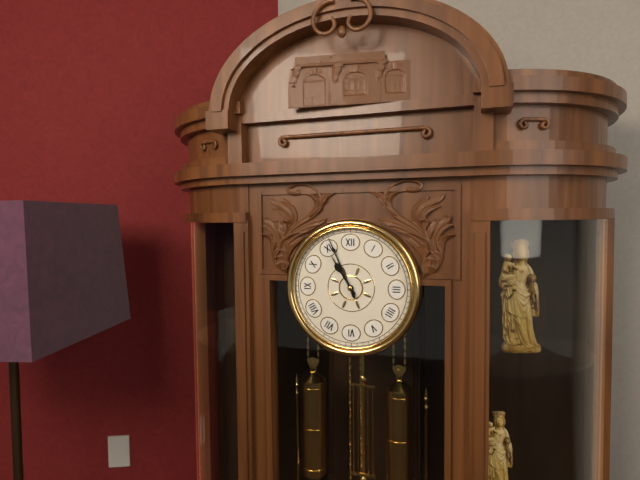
10.56
